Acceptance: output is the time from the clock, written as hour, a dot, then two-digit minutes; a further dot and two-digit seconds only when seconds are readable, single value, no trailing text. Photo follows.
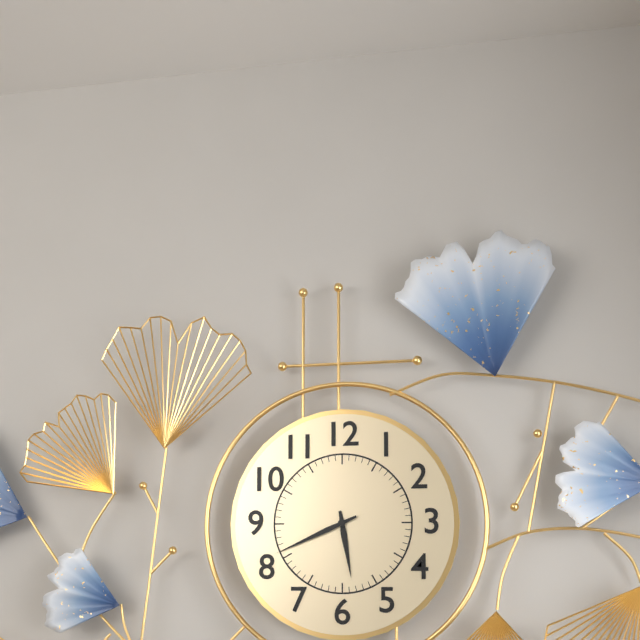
5.41
